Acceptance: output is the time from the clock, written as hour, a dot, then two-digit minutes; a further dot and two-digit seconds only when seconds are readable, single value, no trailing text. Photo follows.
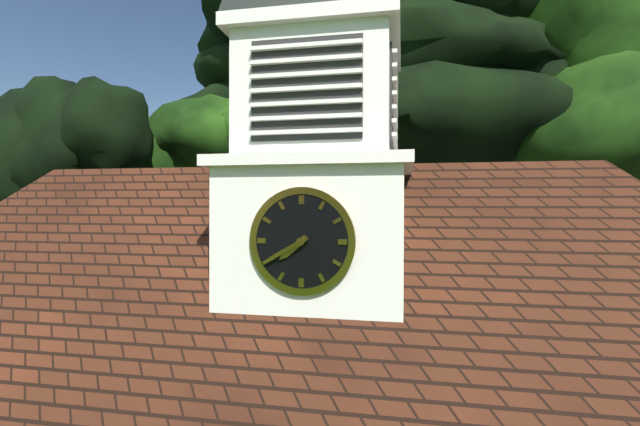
7.40
